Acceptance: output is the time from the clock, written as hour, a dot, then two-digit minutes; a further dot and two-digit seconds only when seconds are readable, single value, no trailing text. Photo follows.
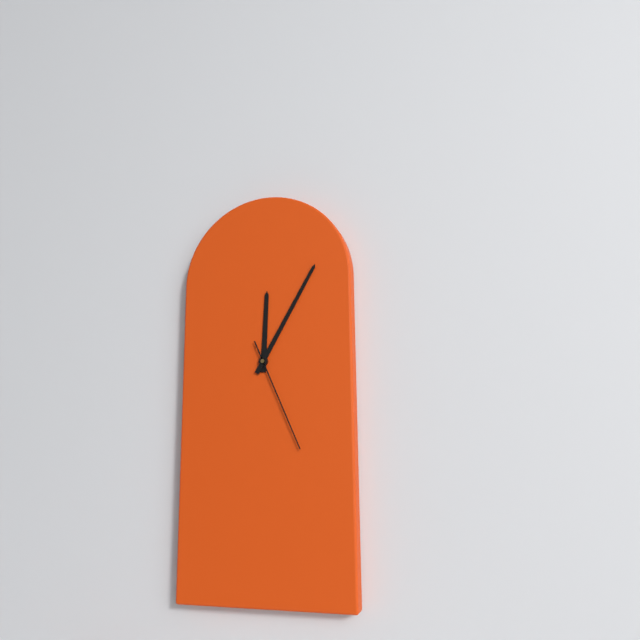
12.05.26
